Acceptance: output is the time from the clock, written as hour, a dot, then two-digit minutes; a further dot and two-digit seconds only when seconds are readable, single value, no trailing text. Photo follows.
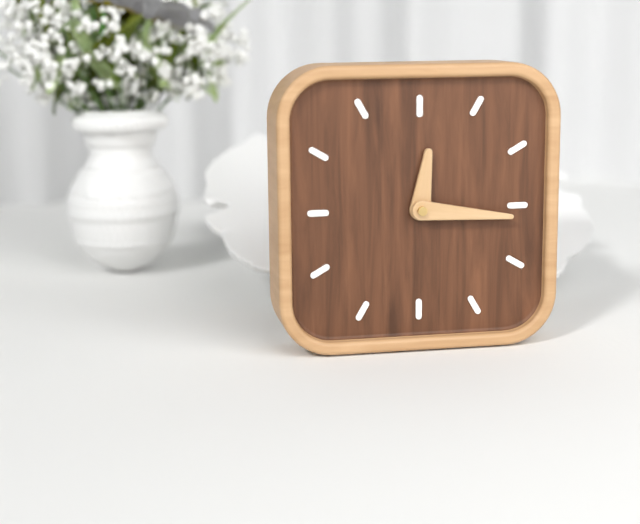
12.16
